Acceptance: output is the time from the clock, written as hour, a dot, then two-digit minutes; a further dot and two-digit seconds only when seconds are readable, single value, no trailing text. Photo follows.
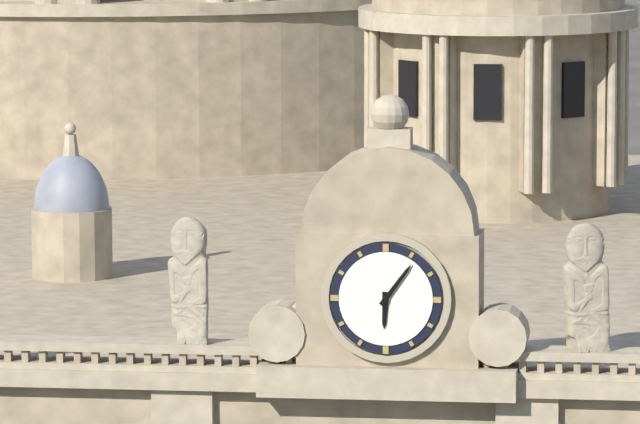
6.06
